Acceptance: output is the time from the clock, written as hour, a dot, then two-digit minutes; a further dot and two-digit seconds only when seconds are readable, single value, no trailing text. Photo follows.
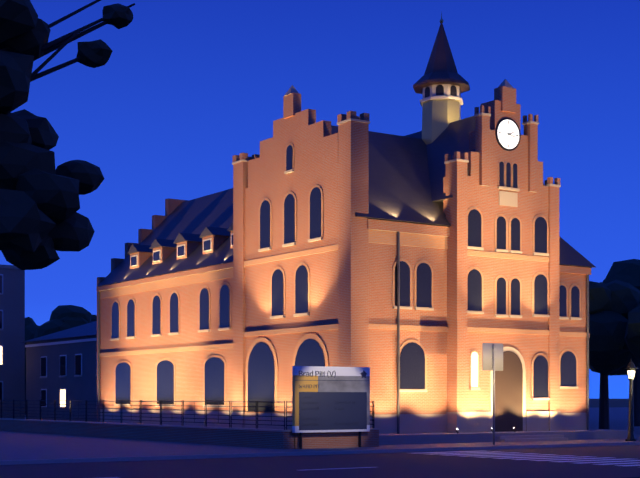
2.17
